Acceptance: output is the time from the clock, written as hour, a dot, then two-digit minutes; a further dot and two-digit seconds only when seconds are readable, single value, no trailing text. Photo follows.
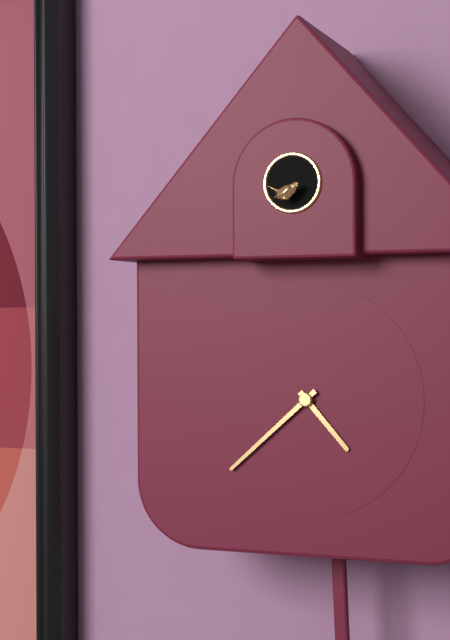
4.38
